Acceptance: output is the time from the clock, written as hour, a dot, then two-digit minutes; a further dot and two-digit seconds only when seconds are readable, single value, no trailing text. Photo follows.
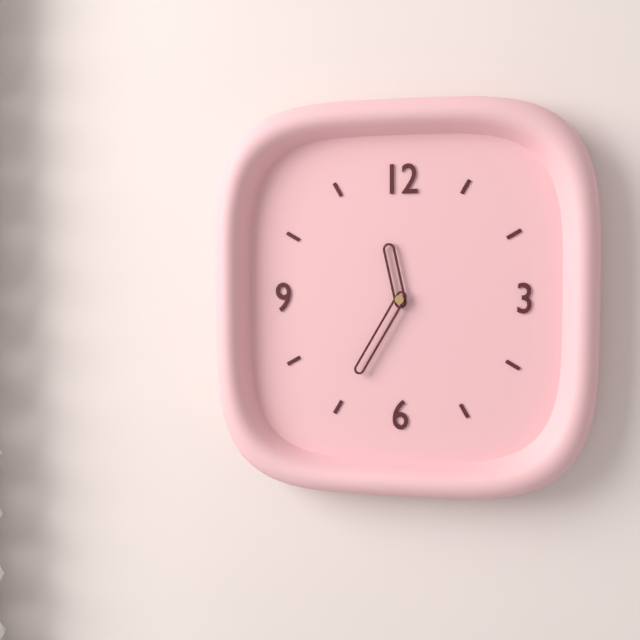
11.35
